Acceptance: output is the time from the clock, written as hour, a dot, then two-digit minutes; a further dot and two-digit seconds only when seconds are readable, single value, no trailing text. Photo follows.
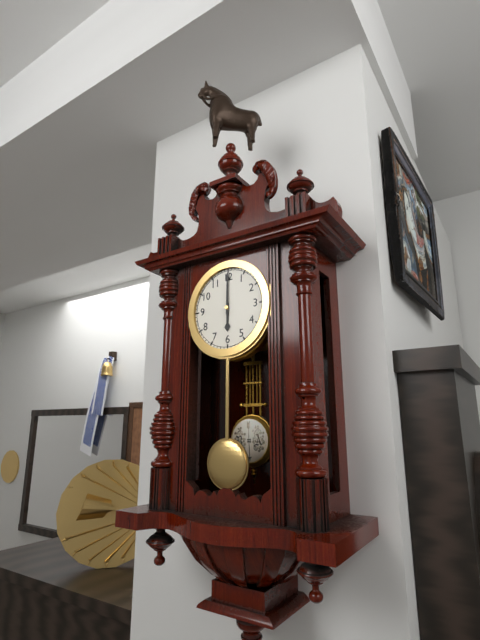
6.00
